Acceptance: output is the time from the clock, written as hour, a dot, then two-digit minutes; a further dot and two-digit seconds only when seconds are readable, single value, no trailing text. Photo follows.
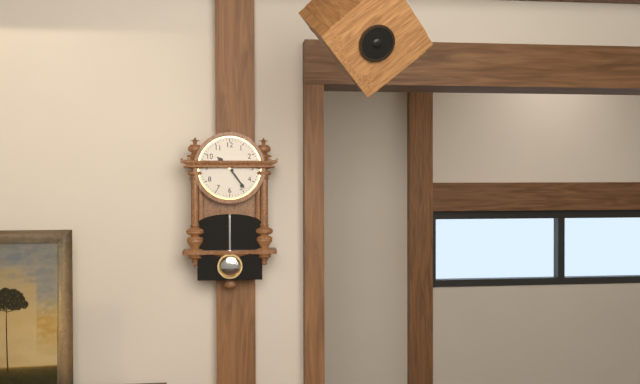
10.24
